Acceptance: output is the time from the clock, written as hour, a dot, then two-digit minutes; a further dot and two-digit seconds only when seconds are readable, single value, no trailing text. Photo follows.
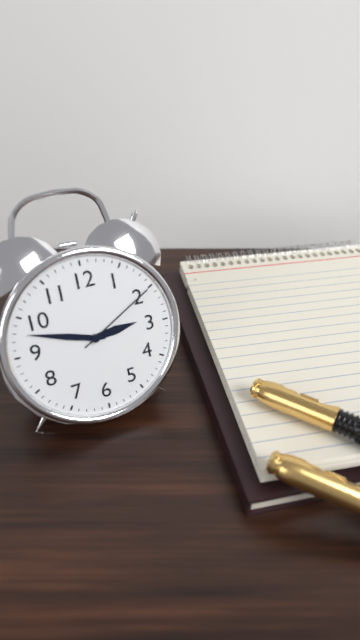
2.48.10
